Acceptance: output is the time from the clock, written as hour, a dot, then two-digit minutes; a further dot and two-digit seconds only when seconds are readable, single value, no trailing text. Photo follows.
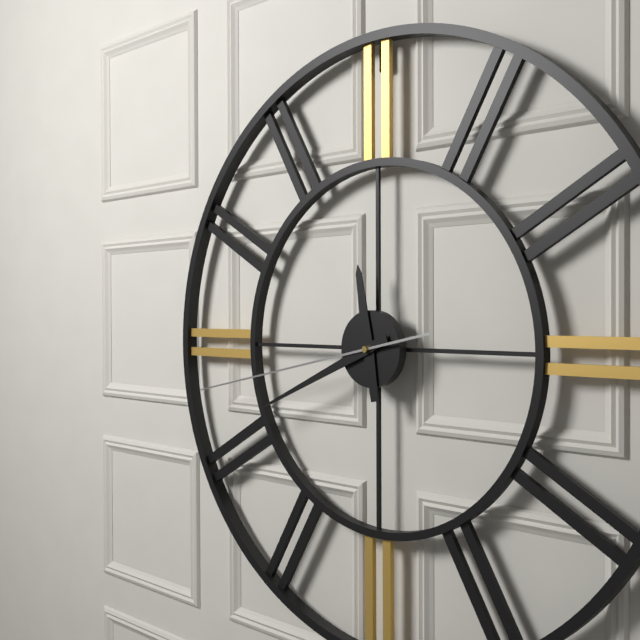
11.41.43
